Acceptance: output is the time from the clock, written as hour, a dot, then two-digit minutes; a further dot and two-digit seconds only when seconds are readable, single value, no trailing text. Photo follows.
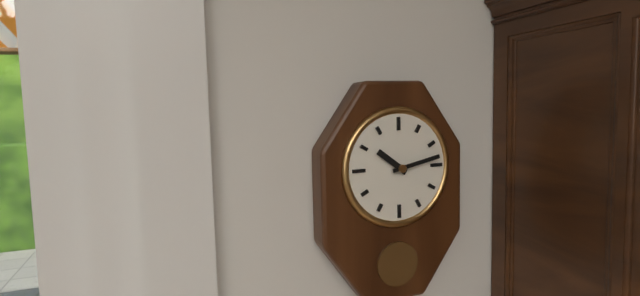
10.13
